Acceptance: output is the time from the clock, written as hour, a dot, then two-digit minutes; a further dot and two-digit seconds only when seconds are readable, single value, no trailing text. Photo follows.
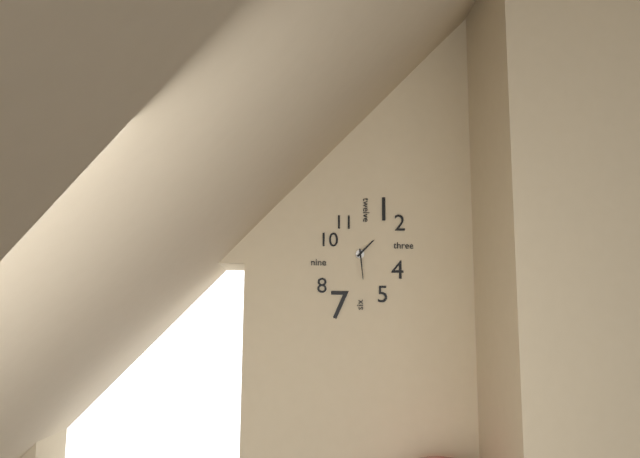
1.29
